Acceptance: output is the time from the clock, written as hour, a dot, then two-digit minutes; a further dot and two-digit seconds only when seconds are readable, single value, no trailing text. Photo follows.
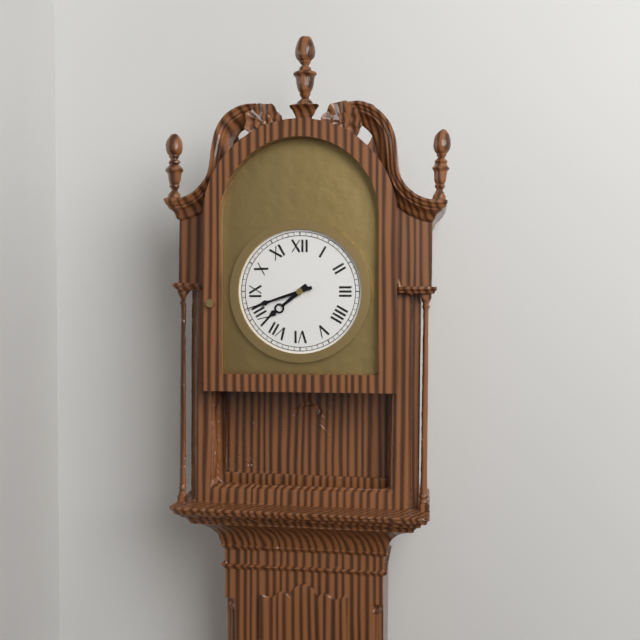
7.42
